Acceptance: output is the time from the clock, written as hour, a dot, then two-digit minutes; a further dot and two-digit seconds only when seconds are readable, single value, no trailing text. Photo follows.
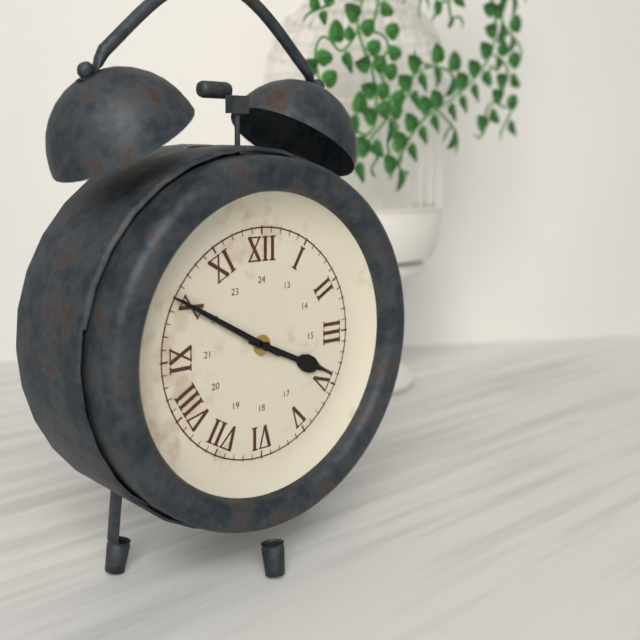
3.50
